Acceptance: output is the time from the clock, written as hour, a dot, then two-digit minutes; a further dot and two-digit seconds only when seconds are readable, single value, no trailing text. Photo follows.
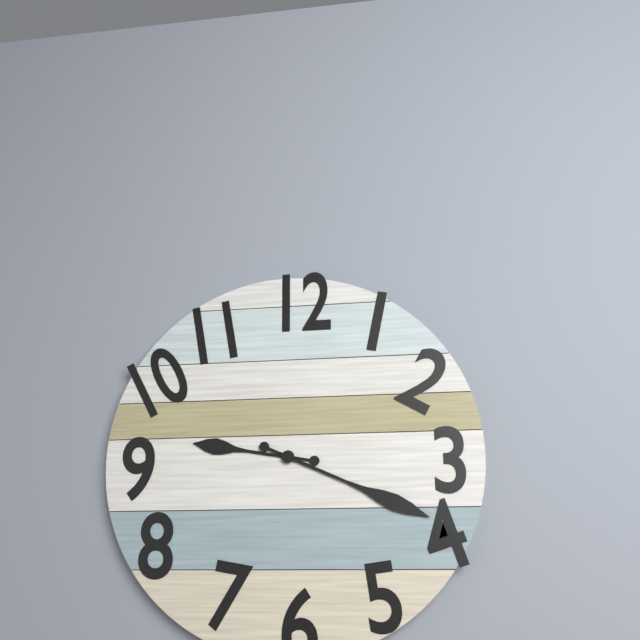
9.19
